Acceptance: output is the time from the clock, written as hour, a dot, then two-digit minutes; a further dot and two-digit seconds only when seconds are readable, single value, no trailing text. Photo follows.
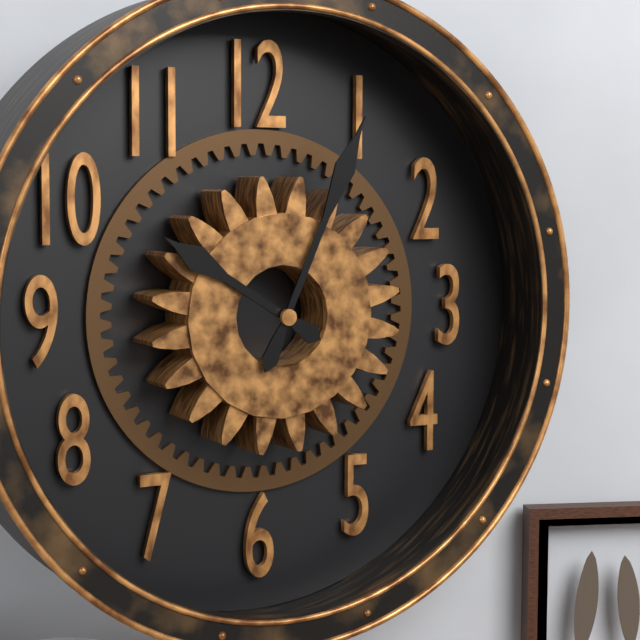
10.04
